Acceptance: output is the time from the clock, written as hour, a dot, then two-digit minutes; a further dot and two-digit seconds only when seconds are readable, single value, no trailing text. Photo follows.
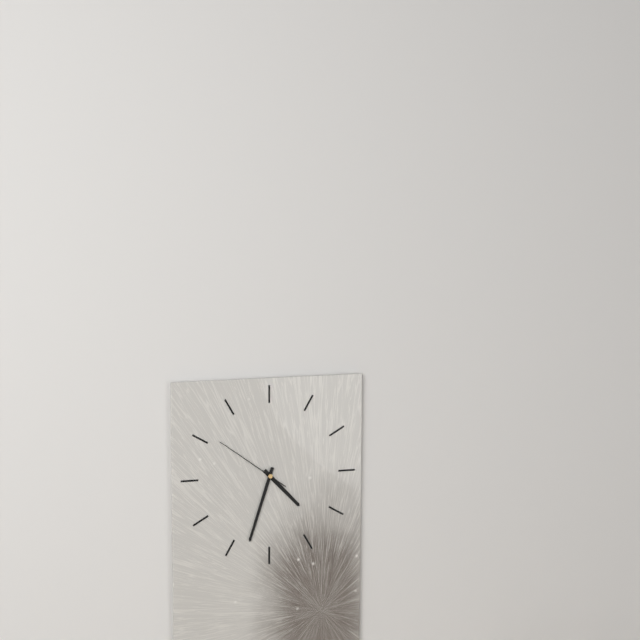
4.33.51
